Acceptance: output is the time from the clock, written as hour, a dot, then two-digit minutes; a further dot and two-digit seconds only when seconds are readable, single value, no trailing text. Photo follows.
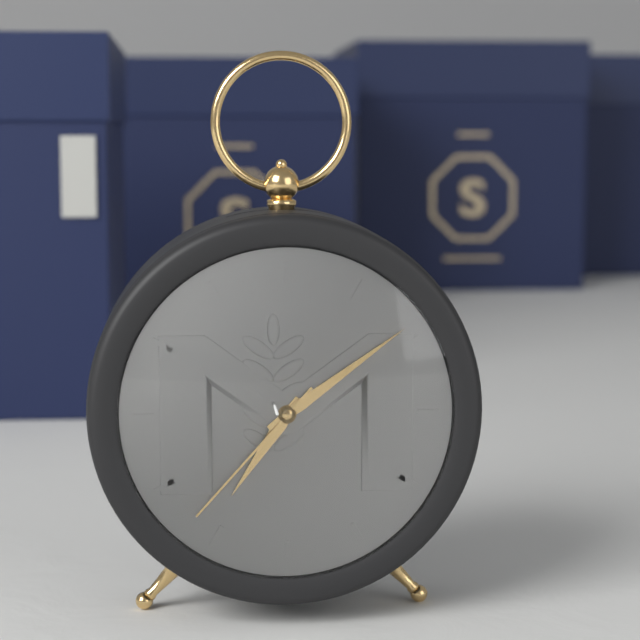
7.09.37
